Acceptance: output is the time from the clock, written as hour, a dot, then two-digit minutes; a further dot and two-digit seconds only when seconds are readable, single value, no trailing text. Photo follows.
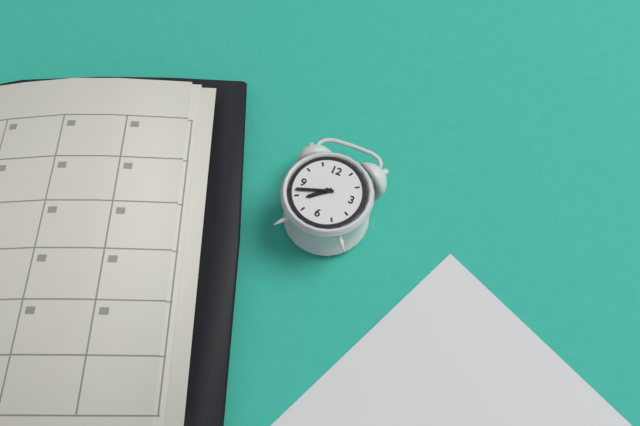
7.42
